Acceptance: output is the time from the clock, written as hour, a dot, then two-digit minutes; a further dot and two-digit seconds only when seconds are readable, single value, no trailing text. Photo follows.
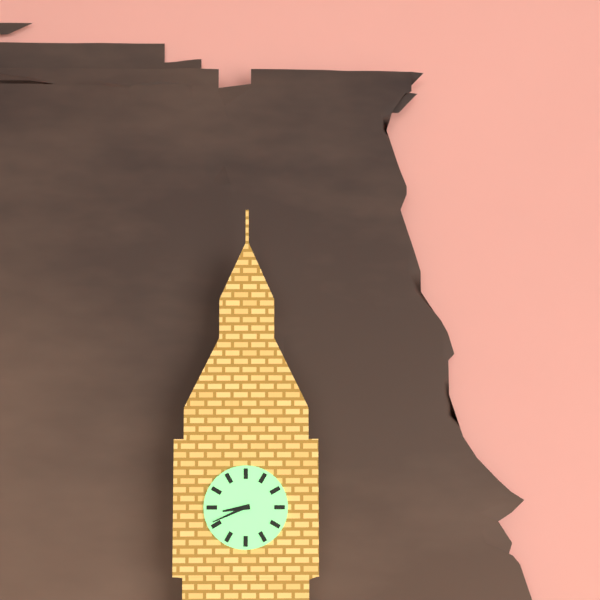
8.41
